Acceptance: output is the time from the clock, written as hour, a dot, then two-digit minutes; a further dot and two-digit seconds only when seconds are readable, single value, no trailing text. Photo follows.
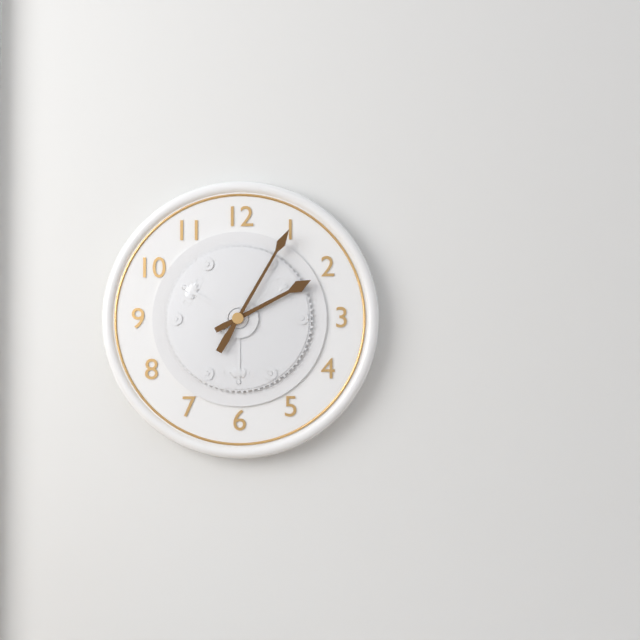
2.05
